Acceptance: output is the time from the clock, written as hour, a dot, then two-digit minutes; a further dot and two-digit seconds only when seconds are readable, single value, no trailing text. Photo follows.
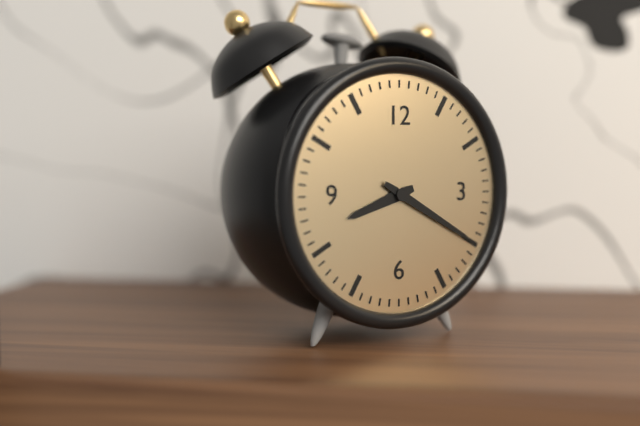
8.20
